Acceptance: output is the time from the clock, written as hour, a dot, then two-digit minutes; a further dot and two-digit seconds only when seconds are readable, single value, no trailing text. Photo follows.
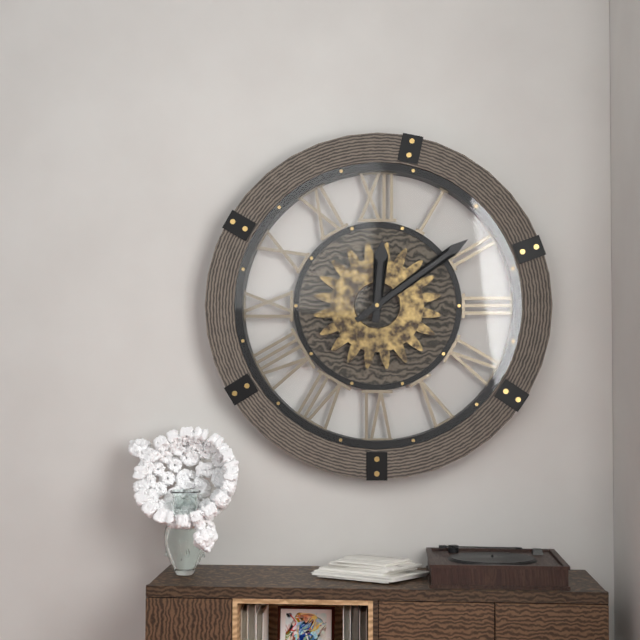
12.09
